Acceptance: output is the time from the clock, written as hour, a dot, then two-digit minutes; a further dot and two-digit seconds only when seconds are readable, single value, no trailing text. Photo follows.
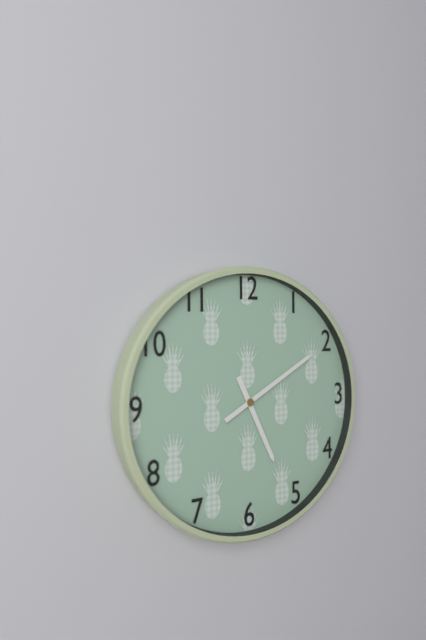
5.10
